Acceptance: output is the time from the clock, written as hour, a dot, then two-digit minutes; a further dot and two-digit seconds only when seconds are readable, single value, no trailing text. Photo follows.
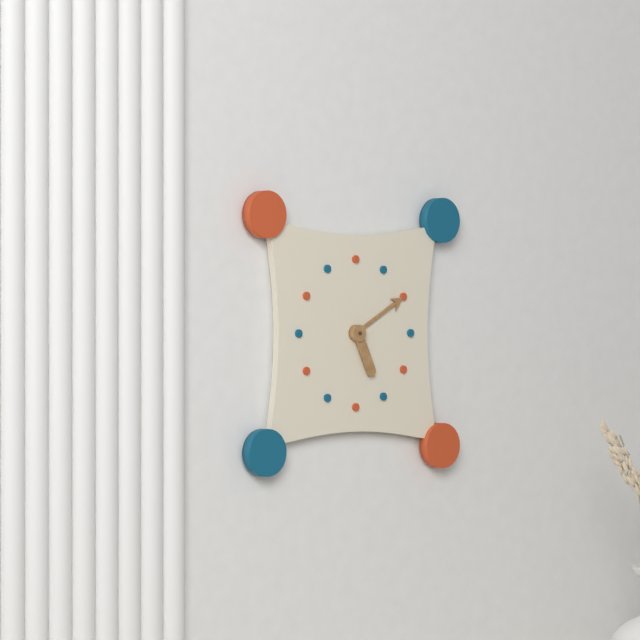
5.10
